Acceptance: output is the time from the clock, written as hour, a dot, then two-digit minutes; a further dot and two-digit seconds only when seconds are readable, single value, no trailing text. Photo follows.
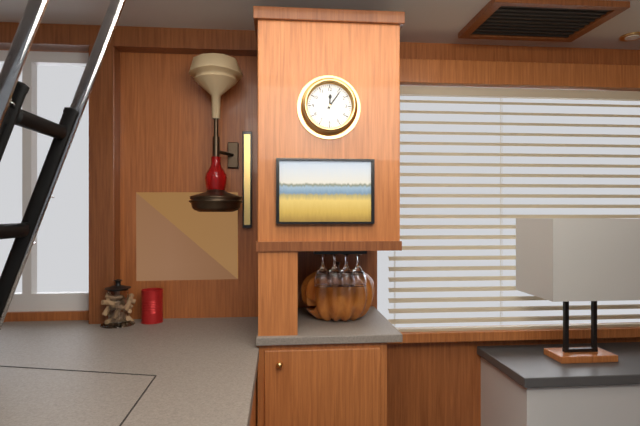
12.06
